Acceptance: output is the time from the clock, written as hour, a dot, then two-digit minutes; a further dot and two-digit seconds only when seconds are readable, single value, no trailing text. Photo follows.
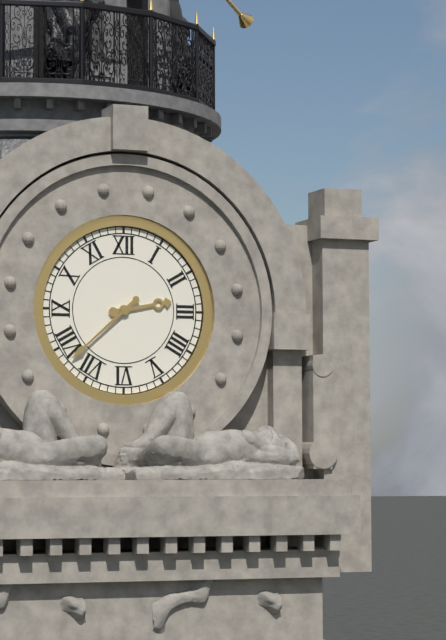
2.38
